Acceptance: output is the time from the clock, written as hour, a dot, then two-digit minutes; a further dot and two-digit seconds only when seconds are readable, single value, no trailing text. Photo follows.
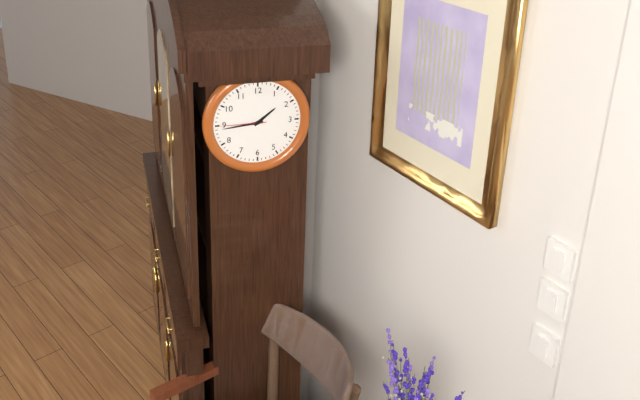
1.44
